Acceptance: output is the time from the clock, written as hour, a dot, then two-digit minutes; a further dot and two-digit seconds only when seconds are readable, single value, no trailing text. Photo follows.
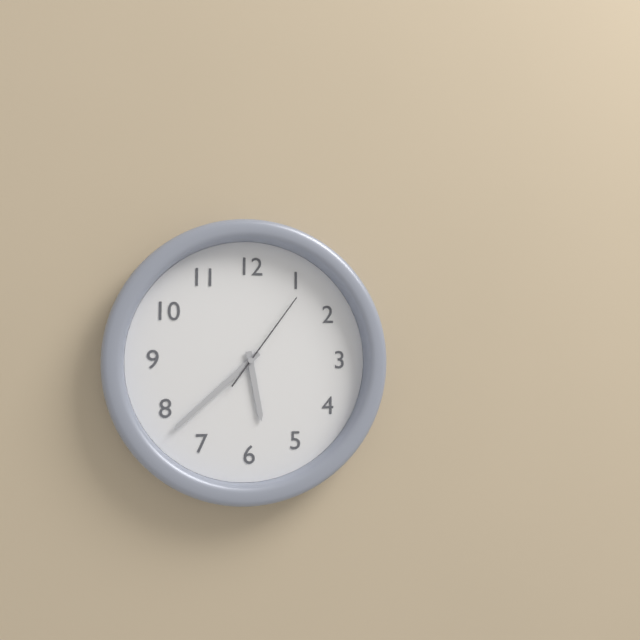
5.38.06
